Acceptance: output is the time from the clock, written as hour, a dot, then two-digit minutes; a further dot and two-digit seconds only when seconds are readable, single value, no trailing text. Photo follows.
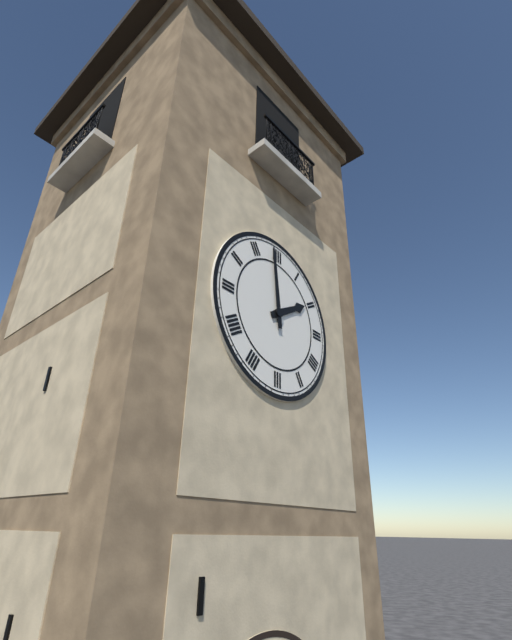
1.59
